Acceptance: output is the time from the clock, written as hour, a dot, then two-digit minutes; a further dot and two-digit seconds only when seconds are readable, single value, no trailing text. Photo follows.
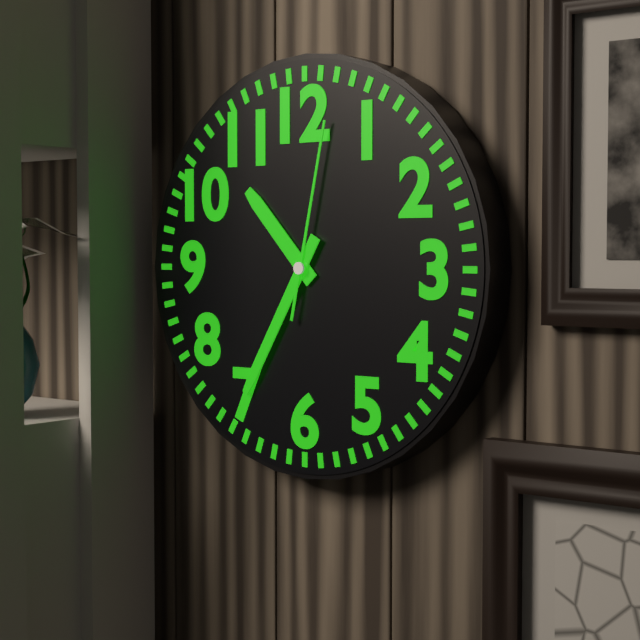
10.35.02
